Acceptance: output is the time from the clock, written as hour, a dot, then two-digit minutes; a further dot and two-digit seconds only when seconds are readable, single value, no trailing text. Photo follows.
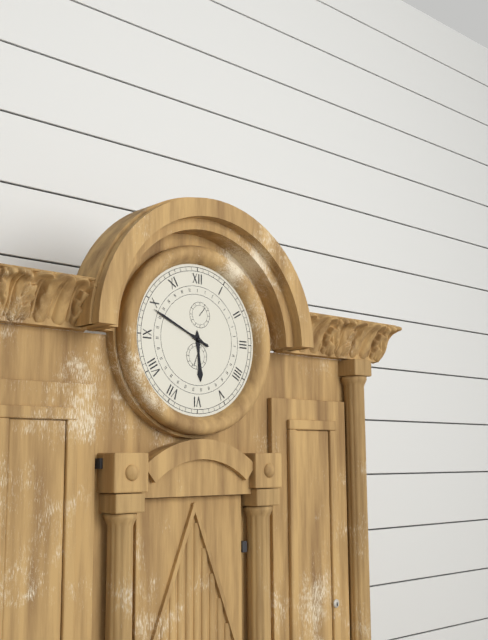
5.49
